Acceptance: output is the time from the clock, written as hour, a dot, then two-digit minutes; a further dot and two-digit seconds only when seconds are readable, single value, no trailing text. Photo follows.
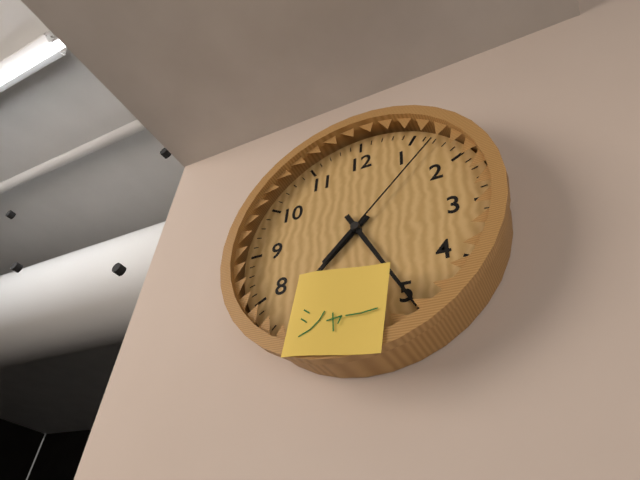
7.25.07
